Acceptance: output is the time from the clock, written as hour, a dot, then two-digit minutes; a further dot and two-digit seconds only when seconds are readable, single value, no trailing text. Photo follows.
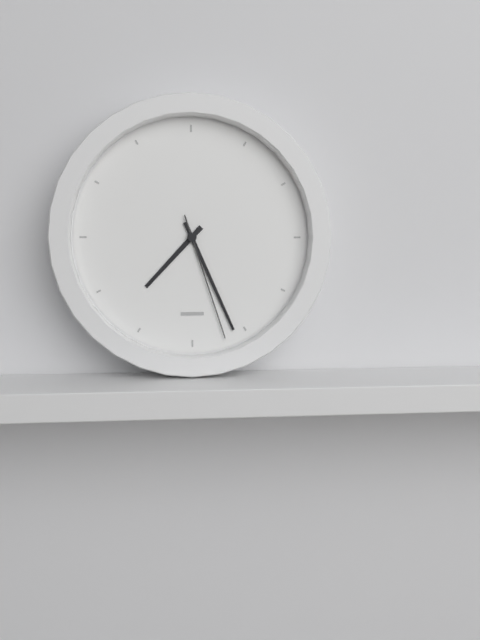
7.26.27
